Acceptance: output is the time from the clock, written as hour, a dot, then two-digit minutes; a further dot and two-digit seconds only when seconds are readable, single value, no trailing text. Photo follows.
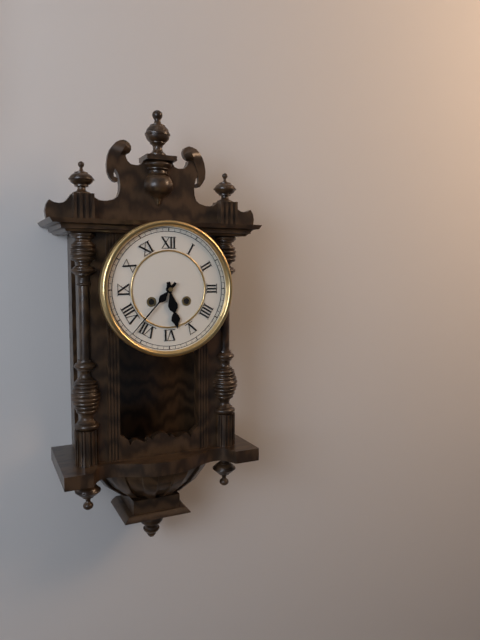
5.37
